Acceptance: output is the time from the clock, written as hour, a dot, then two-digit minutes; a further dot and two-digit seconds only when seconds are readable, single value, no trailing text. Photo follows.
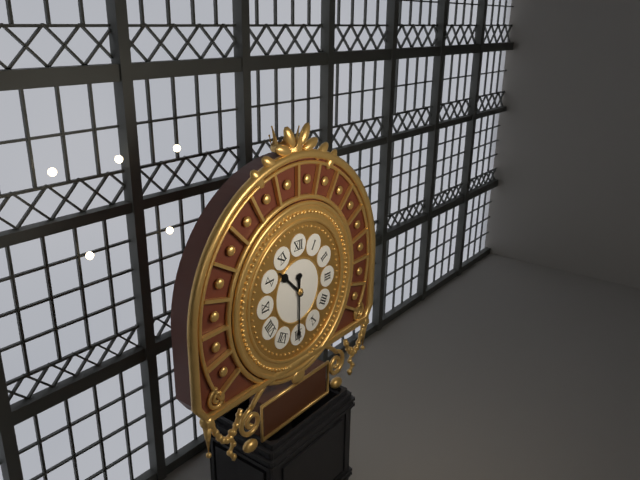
10.30
